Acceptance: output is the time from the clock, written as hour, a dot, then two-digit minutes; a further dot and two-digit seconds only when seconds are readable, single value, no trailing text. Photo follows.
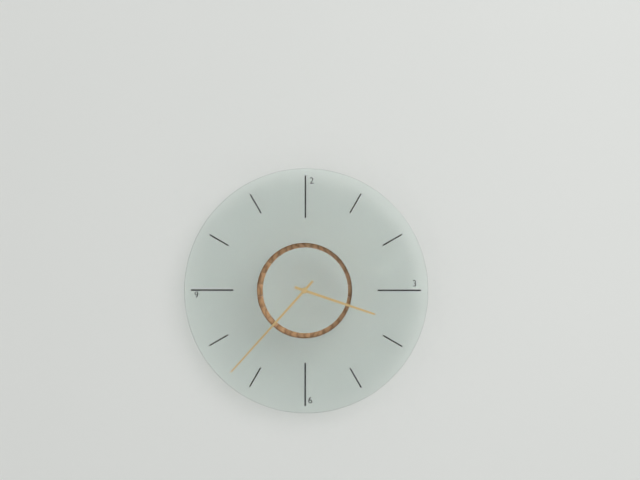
3.37
